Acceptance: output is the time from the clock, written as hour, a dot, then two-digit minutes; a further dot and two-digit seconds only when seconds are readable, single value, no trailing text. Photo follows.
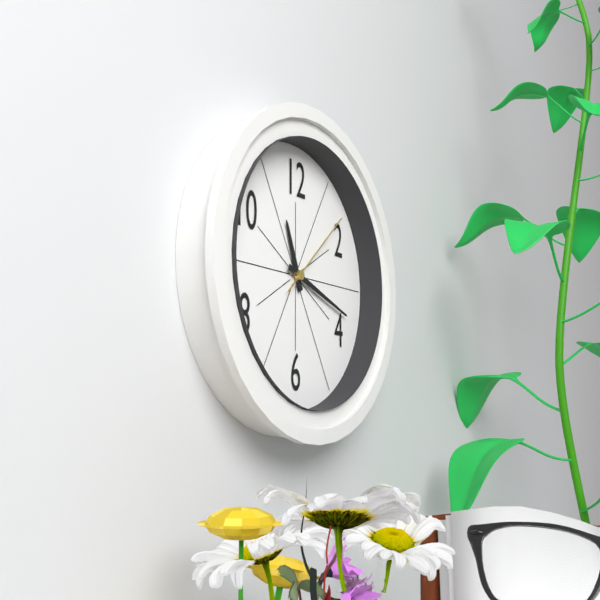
11.18.08
